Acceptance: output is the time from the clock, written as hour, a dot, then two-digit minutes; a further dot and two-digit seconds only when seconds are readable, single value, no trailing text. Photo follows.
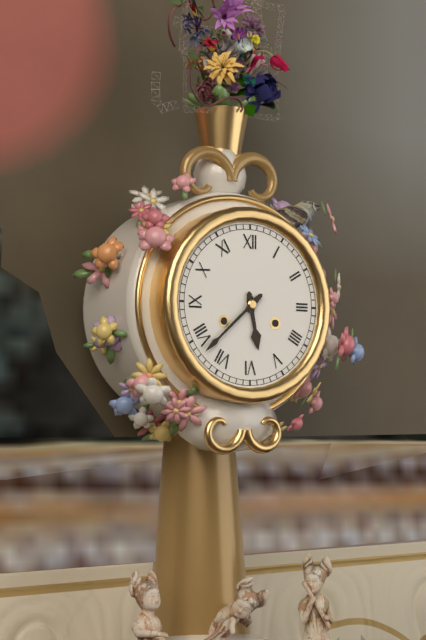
5.38
